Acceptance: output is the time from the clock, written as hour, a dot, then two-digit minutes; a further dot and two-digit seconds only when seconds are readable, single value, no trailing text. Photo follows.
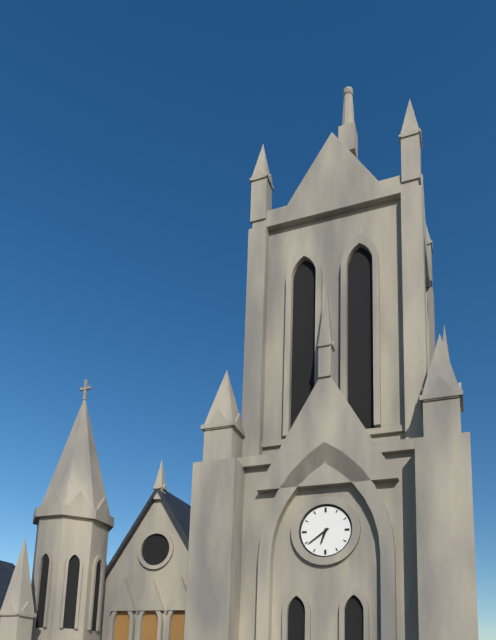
6.39
